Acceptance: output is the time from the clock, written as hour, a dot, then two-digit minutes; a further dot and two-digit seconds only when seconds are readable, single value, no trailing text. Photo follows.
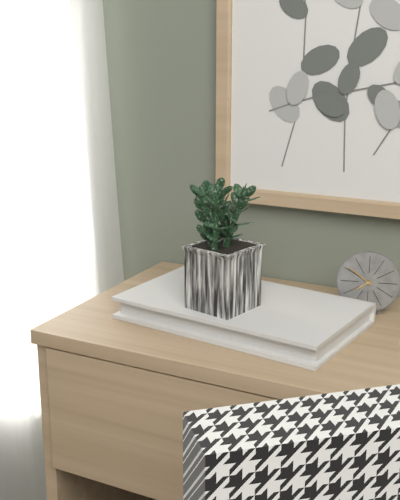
7.51
